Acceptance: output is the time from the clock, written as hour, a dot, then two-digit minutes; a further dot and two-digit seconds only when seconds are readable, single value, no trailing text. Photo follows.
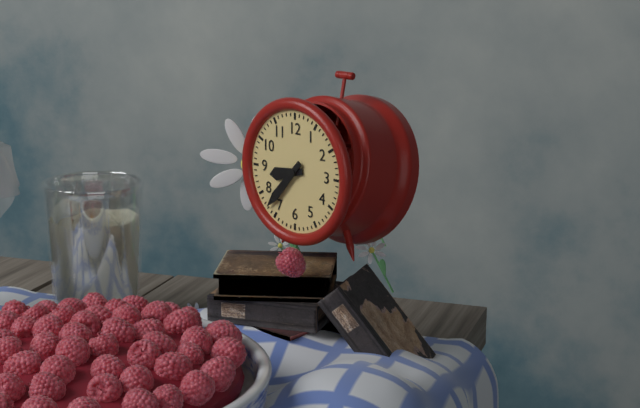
8.37
